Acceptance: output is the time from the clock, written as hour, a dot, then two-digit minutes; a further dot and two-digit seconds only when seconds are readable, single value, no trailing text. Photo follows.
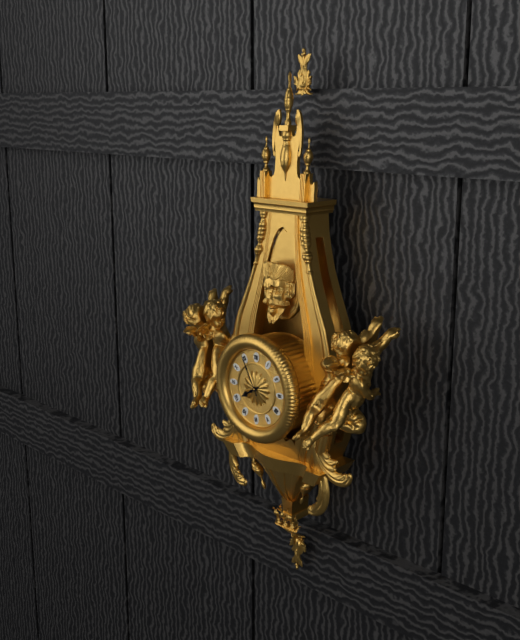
7.55
